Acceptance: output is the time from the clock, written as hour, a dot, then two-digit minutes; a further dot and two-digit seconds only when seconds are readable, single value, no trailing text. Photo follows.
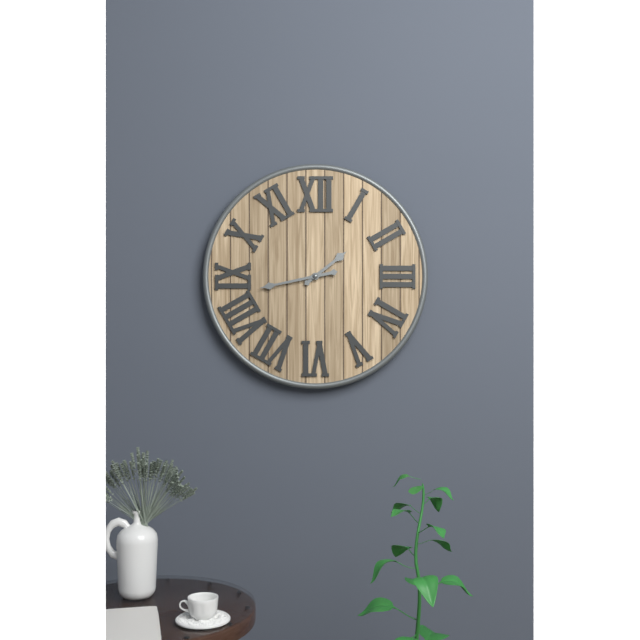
1.43
